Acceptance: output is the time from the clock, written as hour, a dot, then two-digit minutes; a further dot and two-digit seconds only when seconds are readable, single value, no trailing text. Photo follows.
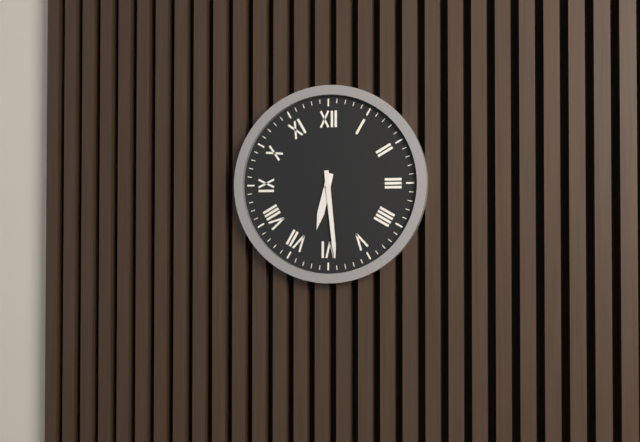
6.29
